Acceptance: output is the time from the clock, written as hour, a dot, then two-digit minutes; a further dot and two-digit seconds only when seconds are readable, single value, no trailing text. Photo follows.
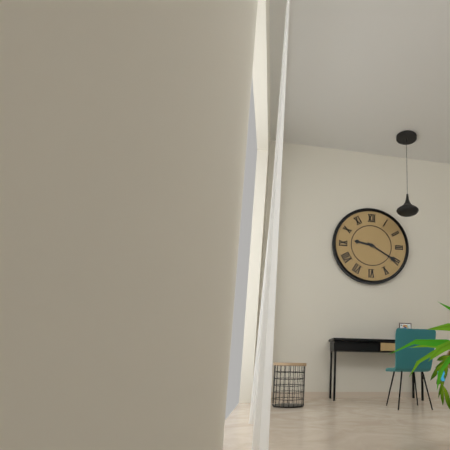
9.20
